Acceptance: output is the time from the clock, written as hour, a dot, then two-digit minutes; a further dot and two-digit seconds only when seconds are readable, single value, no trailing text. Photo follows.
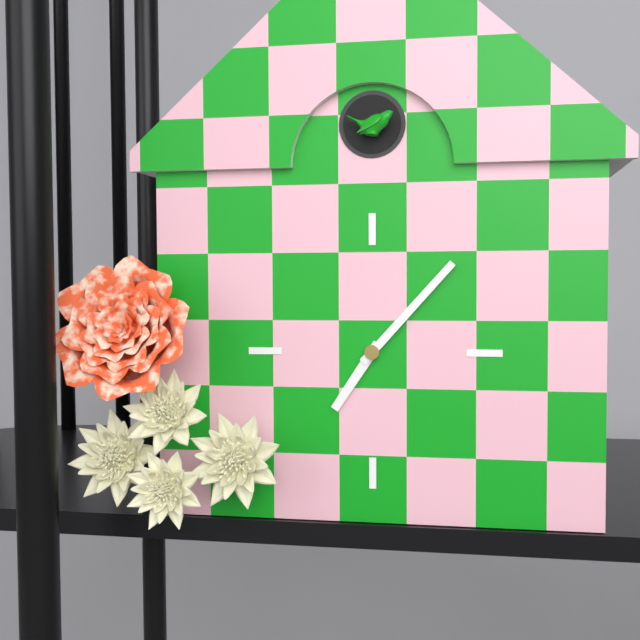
7.07
